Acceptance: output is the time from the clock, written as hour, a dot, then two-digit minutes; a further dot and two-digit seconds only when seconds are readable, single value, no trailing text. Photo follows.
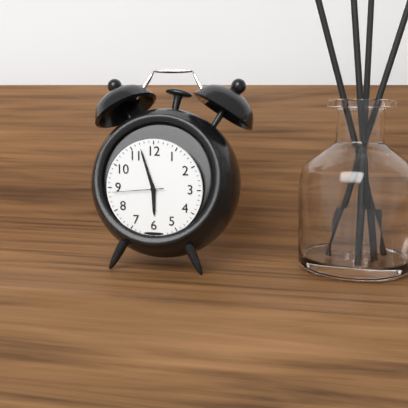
5.57.44
